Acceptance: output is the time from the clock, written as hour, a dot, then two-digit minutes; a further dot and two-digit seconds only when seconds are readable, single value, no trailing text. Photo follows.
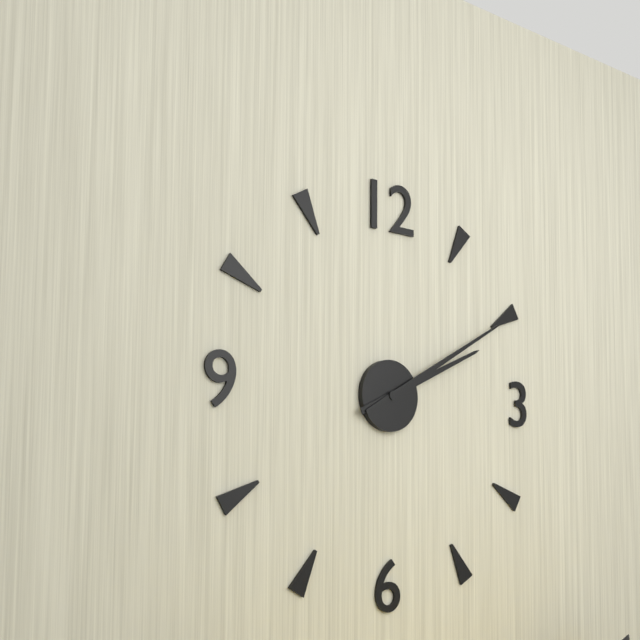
2.10
